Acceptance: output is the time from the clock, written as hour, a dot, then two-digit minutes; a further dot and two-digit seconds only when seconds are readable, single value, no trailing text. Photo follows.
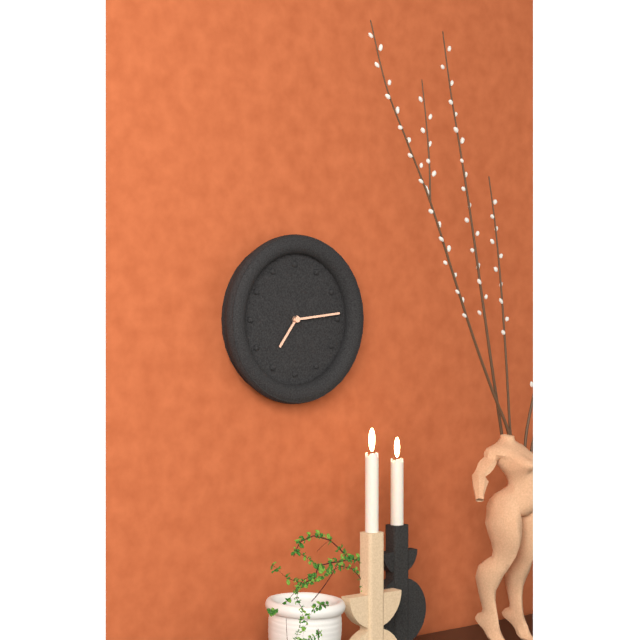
7.14
